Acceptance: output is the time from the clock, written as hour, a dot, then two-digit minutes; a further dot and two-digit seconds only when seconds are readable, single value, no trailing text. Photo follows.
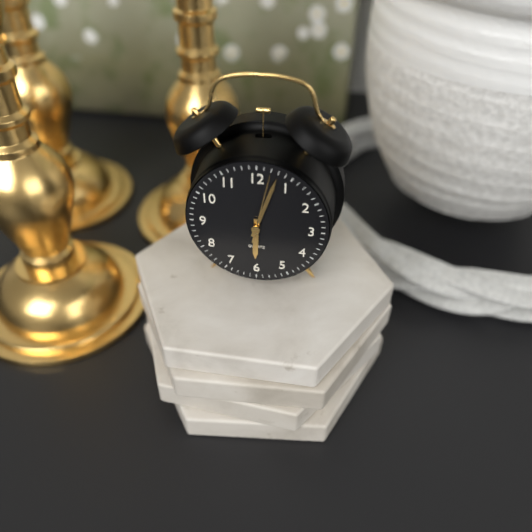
6.03.02
